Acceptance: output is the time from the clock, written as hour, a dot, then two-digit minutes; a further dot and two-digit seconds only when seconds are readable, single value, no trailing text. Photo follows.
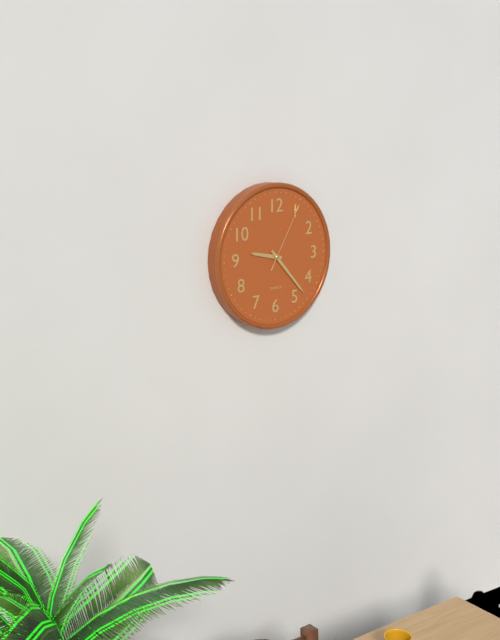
9.23.05
